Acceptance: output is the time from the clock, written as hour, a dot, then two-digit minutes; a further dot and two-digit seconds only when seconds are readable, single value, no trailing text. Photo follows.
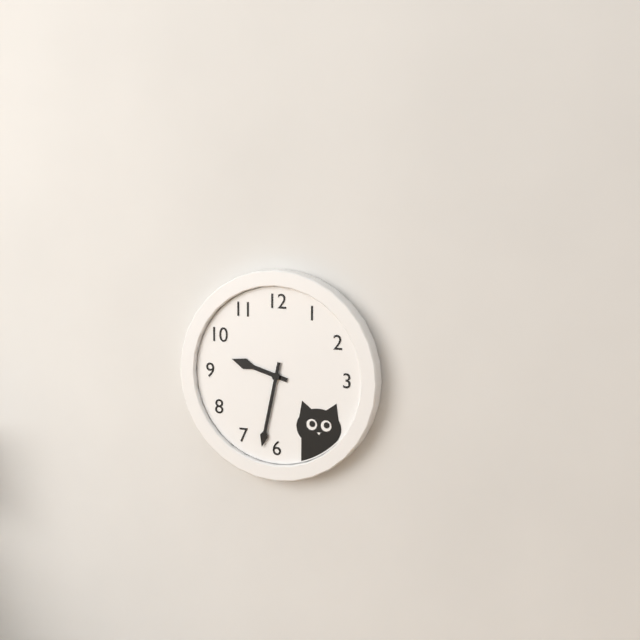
9.32
